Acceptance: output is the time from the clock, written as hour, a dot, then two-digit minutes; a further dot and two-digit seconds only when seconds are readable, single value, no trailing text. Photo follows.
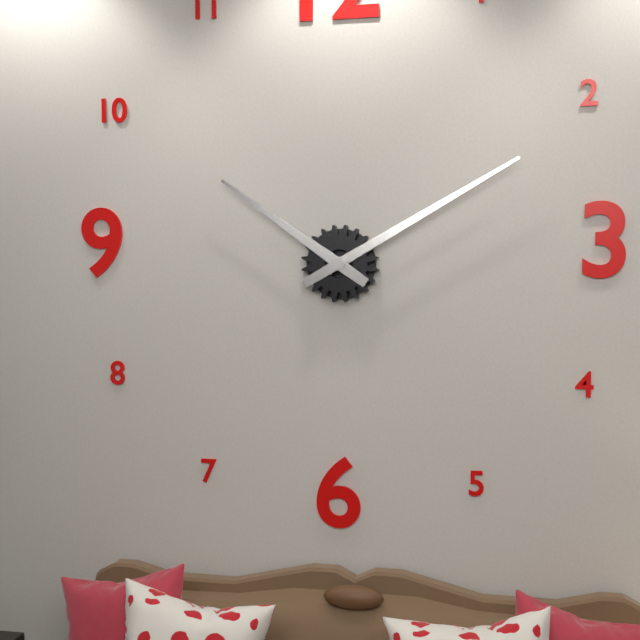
10.10
